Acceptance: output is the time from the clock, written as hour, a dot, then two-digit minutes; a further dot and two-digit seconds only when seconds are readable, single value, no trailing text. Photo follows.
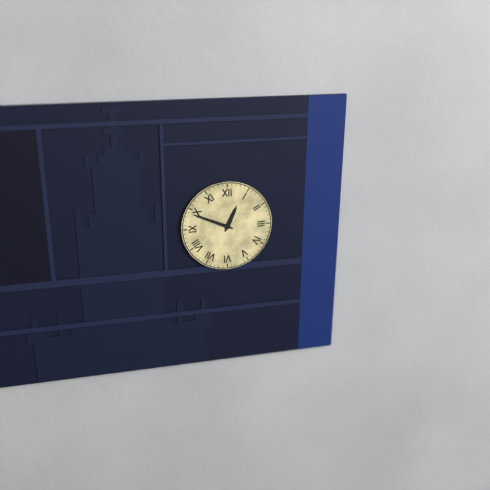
12.49
